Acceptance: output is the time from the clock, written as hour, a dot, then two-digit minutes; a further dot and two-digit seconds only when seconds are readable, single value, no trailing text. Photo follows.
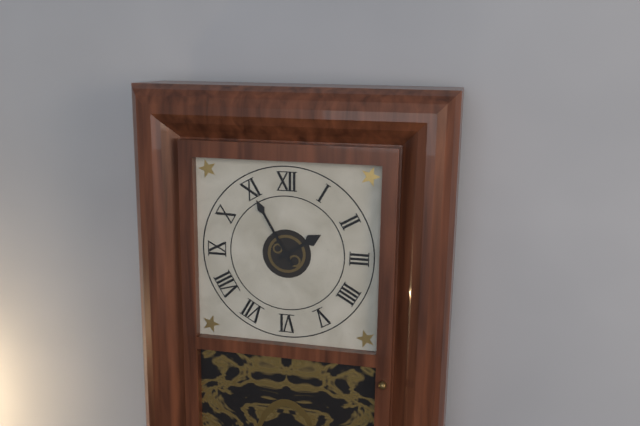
1.55
